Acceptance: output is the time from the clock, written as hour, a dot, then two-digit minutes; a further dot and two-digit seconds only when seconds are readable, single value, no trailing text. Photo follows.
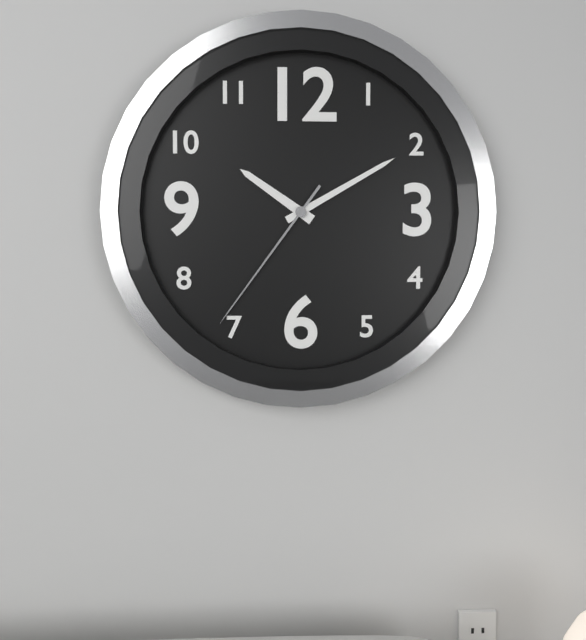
10.10.36
